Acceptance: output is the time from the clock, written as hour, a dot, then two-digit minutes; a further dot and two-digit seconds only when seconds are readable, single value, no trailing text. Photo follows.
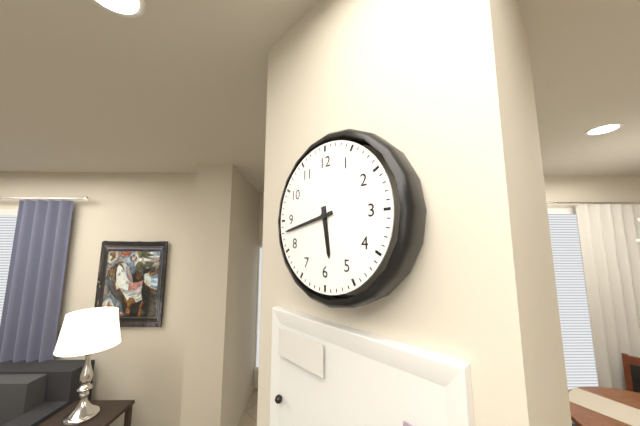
5.43
